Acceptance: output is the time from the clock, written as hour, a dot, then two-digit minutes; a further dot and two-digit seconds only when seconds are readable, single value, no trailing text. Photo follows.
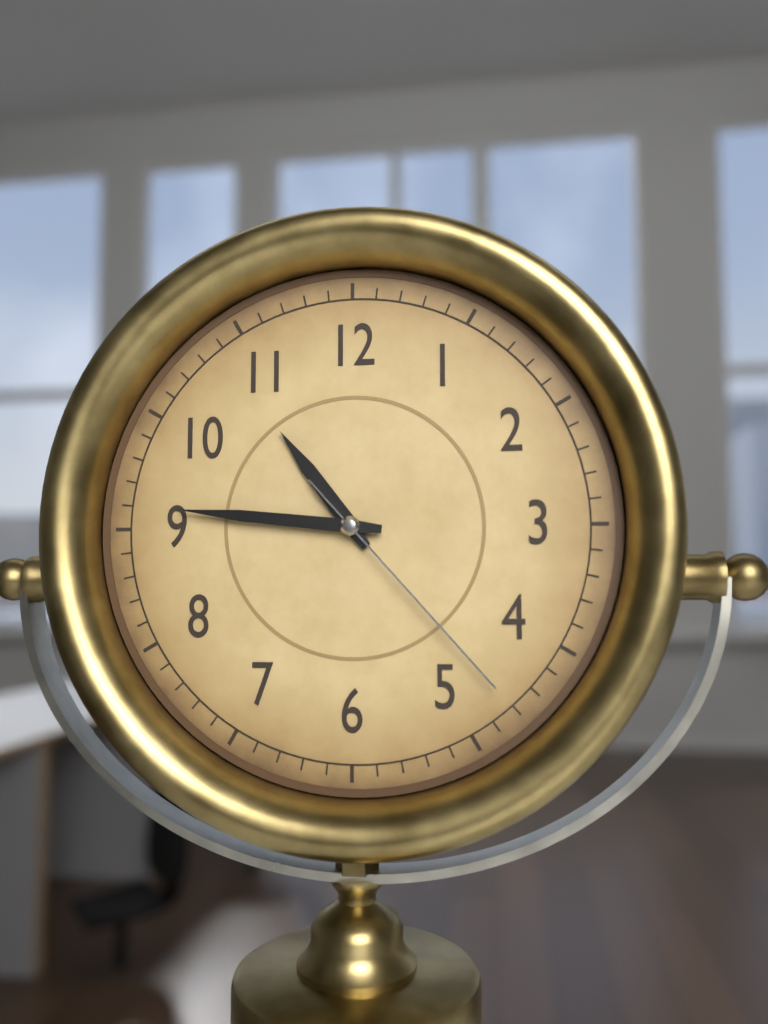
10.46.23
